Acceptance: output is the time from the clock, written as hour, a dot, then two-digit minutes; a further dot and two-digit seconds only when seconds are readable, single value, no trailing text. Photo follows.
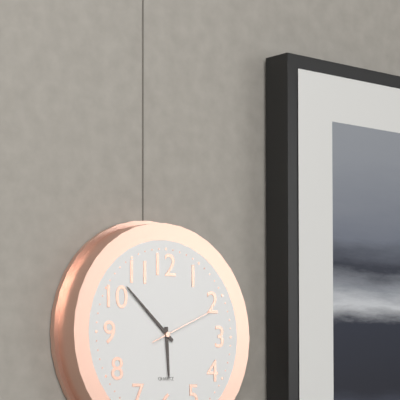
5.52.11
